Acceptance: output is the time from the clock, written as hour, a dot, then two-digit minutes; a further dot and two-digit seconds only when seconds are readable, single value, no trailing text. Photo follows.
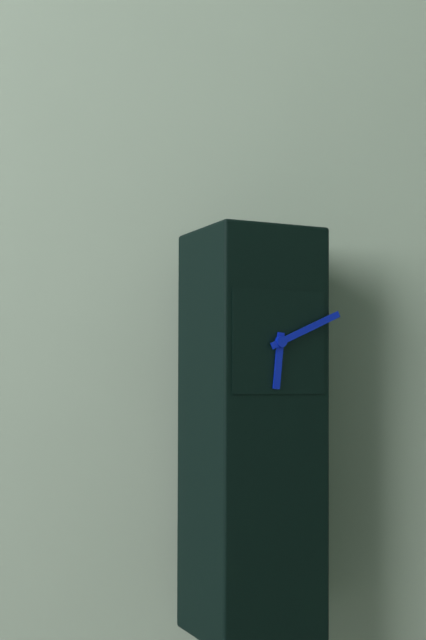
6.11
